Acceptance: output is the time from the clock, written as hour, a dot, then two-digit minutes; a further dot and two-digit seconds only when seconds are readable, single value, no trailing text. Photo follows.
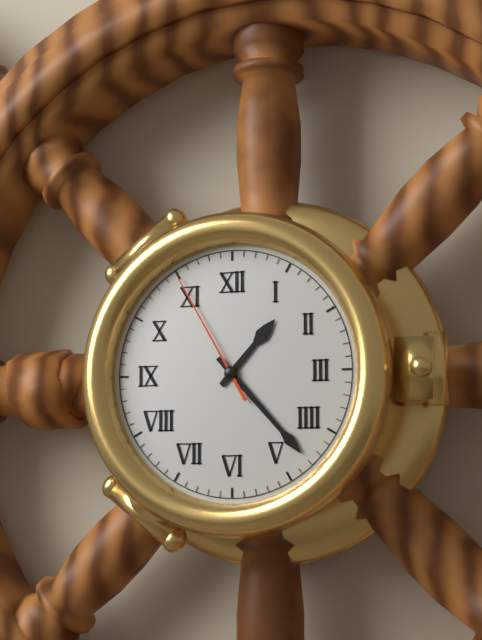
1.23.55
